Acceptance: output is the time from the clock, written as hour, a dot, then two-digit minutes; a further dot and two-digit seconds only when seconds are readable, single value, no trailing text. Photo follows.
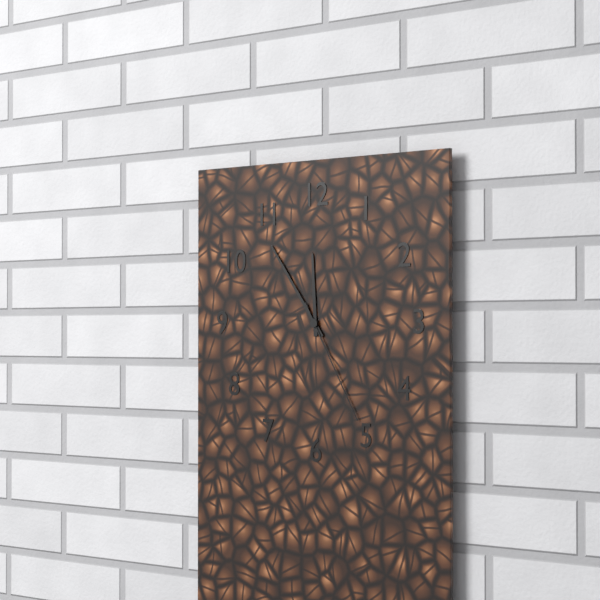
11.54.25
